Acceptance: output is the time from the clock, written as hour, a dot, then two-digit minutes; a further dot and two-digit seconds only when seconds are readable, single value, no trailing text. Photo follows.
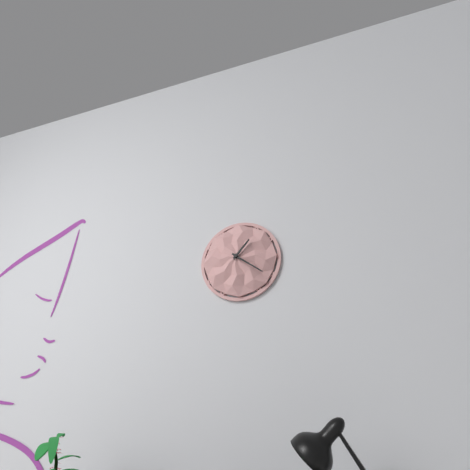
1.21
